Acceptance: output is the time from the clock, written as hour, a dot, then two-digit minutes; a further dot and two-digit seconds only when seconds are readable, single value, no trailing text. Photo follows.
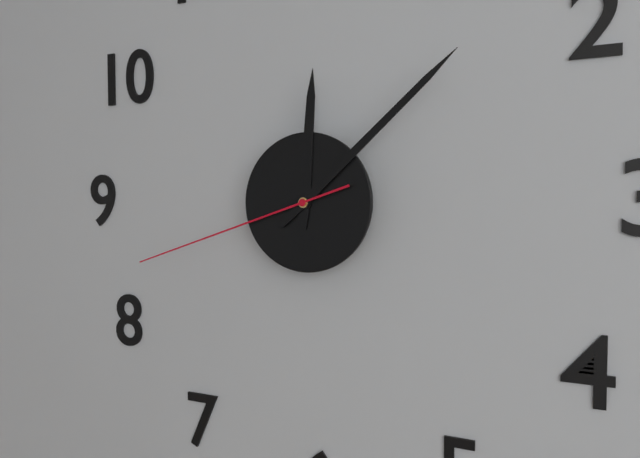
12.08.42
